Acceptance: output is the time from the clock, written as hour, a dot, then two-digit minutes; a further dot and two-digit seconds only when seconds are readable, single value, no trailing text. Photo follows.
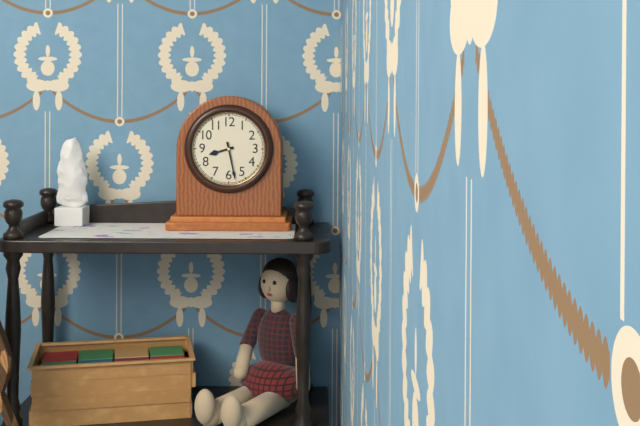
8.28
